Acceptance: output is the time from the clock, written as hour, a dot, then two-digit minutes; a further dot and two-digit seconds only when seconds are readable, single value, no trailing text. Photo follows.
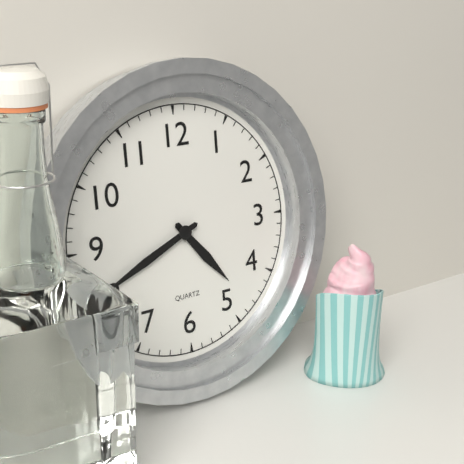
4.41
